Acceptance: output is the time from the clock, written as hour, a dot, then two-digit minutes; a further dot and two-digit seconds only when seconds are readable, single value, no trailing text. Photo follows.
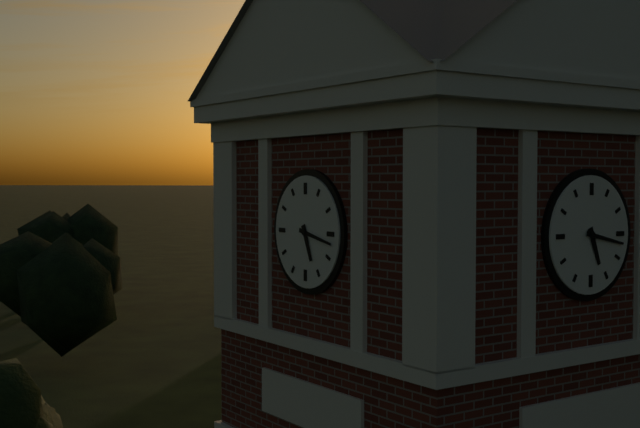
5.17
